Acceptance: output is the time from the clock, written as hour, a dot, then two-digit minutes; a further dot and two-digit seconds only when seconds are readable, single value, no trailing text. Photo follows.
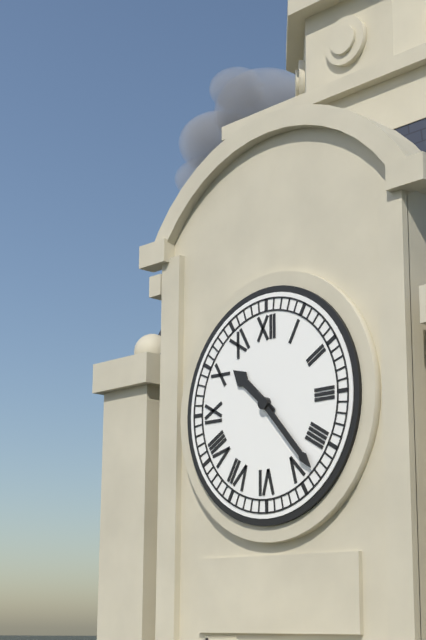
10.23
